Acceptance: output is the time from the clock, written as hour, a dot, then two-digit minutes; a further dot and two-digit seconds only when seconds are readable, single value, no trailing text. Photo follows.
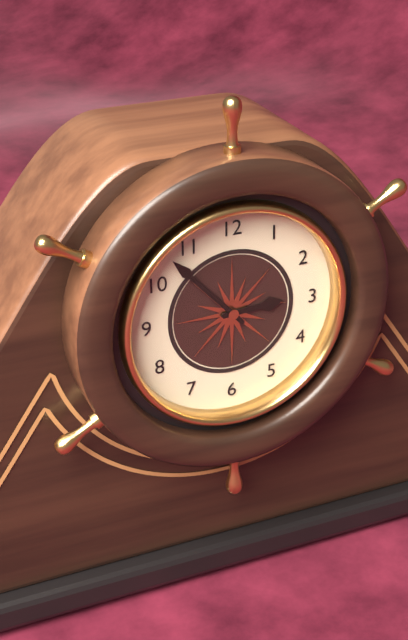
2.53
